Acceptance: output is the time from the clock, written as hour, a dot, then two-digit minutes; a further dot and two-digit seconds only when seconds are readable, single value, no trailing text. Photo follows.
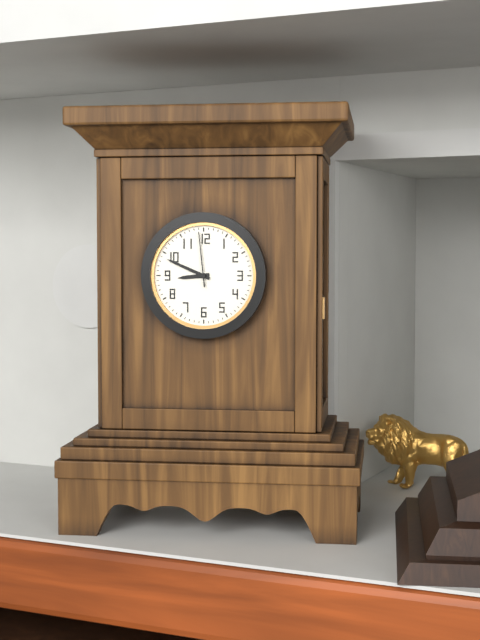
8.49.59
